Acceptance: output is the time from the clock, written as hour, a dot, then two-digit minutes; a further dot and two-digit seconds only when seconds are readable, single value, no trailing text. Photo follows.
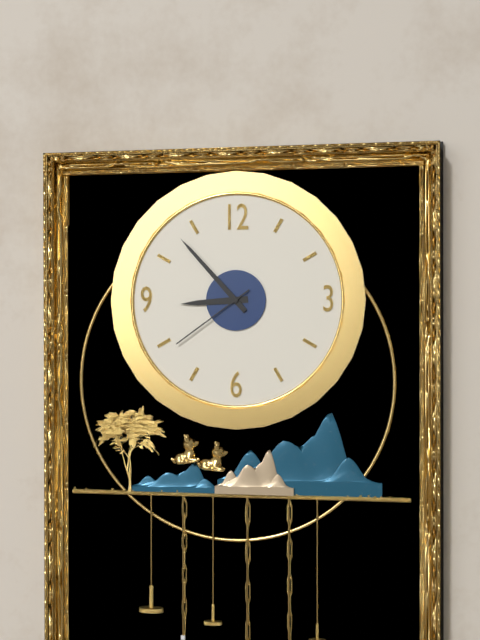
8.53.39
